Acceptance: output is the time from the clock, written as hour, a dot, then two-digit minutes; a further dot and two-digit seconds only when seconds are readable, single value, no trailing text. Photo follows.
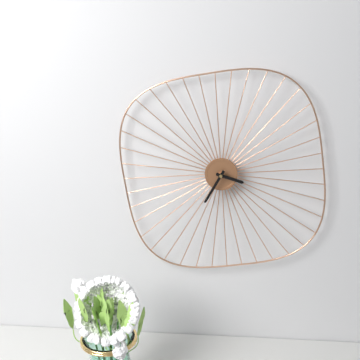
3.35
